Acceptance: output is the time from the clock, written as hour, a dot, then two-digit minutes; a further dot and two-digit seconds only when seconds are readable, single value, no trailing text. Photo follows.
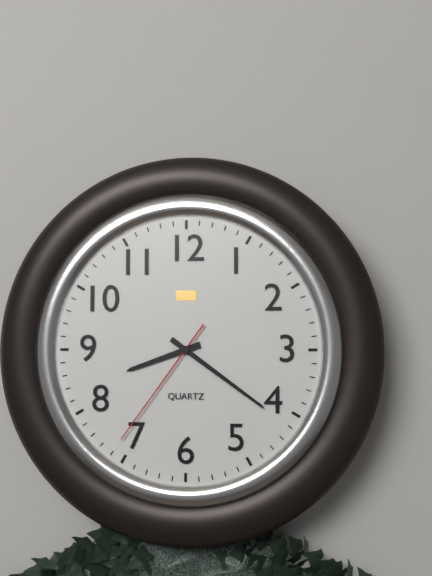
8.21.36
